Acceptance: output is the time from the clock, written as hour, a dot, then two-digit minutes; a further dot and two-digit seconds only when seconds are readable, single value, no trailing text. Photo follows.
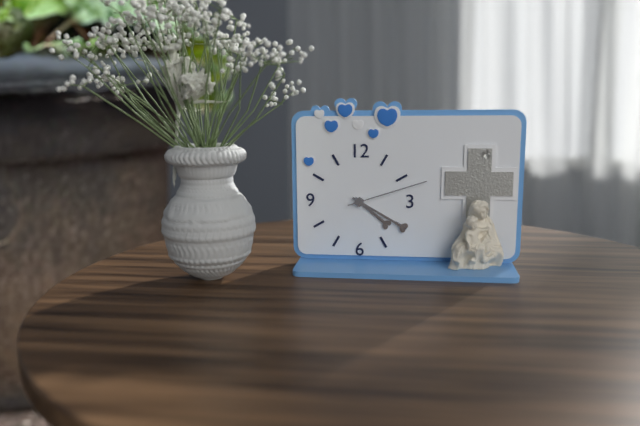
4.20.12
